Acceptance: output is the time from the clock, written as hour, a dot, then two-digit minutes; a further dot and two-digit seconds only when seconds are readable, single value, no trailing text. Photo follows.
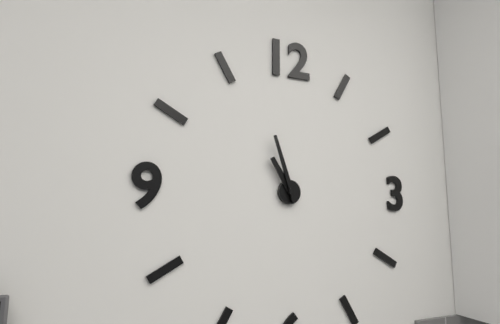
10.57
